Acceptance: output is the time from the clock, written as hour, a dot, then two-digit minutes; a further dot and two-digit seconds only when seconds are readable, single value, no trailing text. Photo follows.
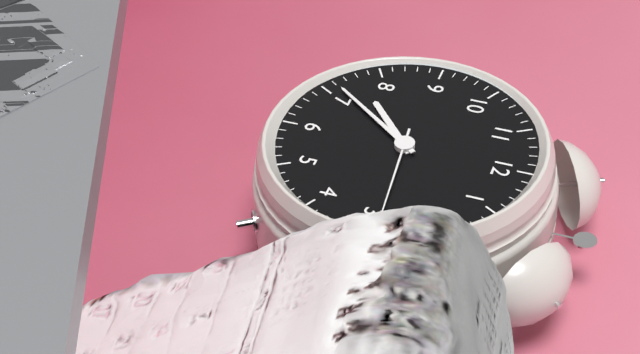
7.36.14
